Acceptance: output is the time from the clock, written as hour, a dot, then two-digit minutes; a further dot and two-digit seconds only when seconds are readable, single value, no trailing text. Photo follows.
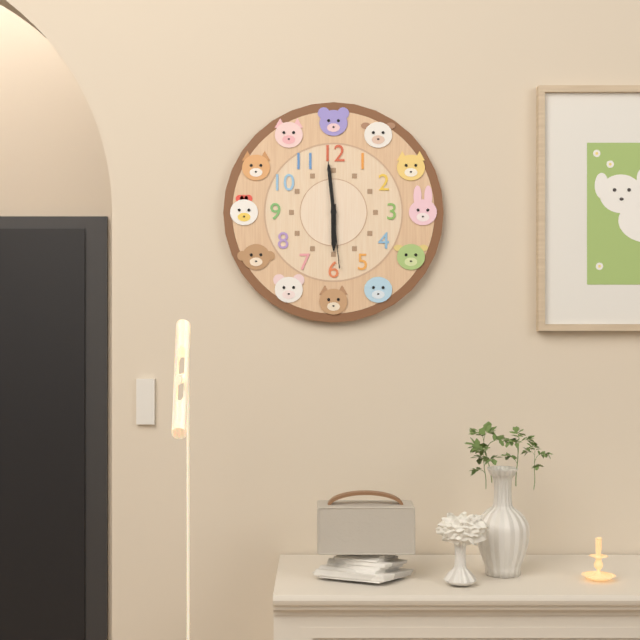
5.59.29
